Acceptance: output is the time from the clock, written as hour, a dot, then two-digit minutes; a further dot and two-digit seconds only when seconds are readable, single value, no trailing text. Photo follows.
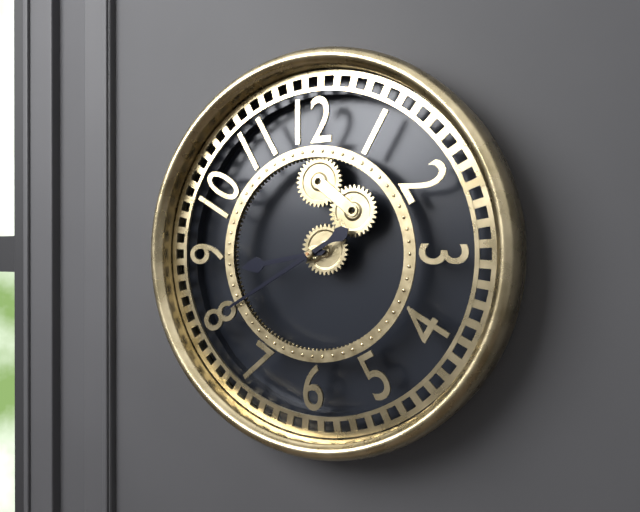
8.40
